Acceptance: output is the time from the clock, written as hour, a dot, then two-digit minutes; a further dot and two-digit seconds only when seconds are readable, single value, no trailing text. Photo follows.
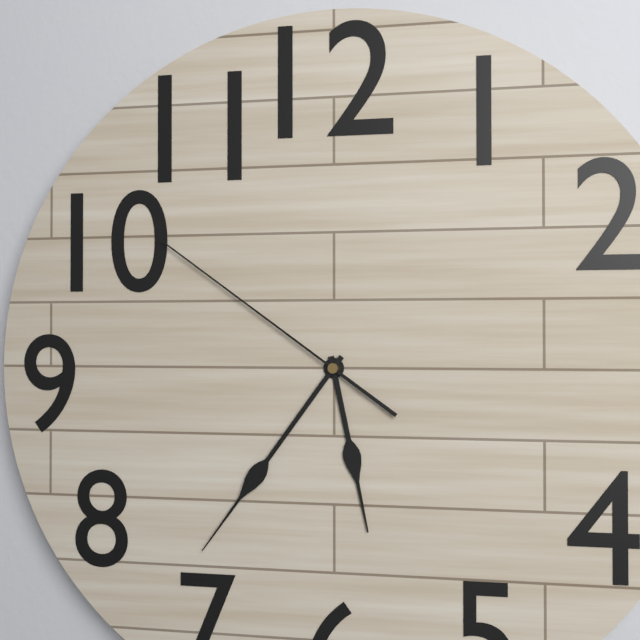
5.36.51
